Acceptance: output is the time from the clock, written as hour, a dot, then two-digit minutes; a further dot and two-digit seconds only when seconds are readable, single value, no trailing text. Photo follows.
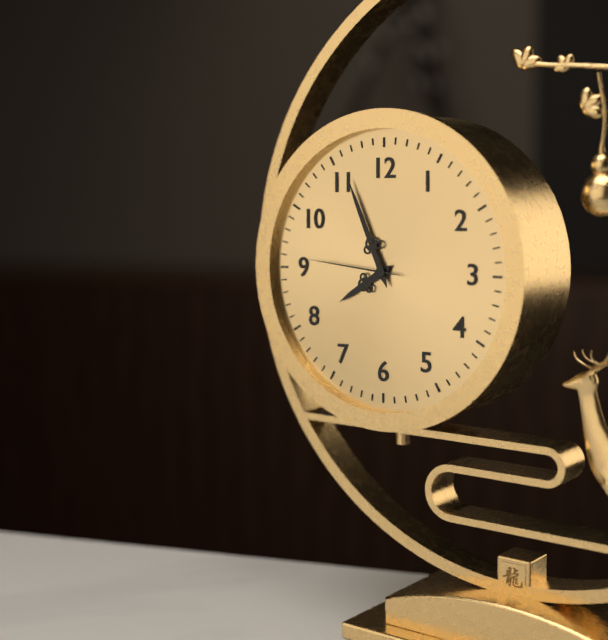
7.56.46
